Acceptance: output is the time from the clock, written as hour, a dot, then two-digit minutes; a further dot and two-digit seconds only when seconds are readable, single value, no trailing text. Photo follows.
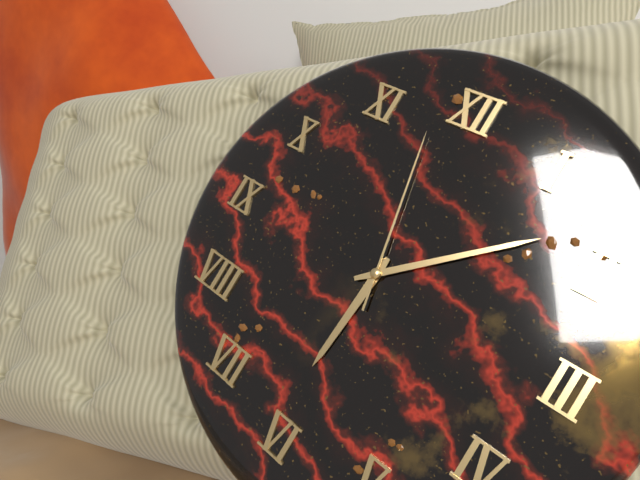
6.08.58
